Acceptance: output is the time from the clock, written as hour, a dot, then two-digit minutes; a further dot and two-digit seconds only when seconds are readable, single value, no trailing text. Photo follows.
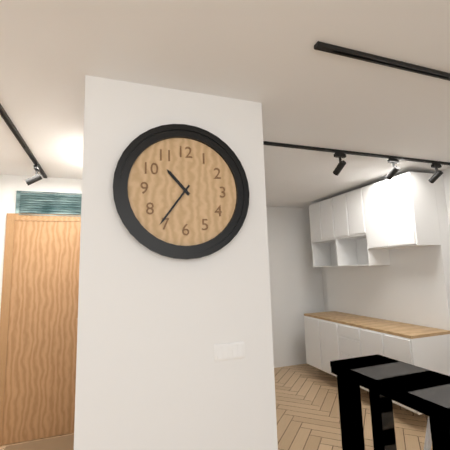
10.36
